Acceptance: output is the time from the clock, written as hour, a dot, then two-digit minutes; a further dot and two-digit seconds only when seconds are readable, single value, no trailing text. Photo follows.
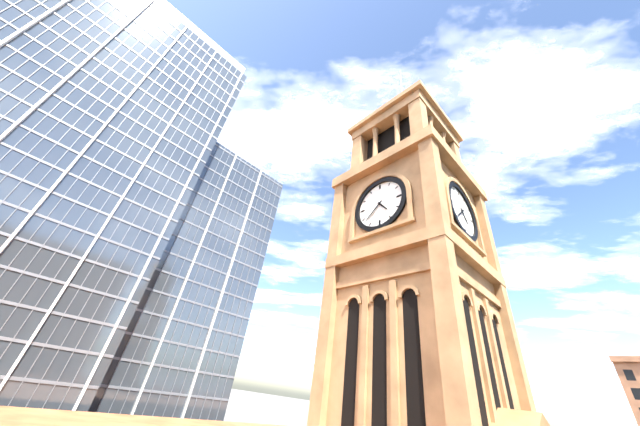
4.38
